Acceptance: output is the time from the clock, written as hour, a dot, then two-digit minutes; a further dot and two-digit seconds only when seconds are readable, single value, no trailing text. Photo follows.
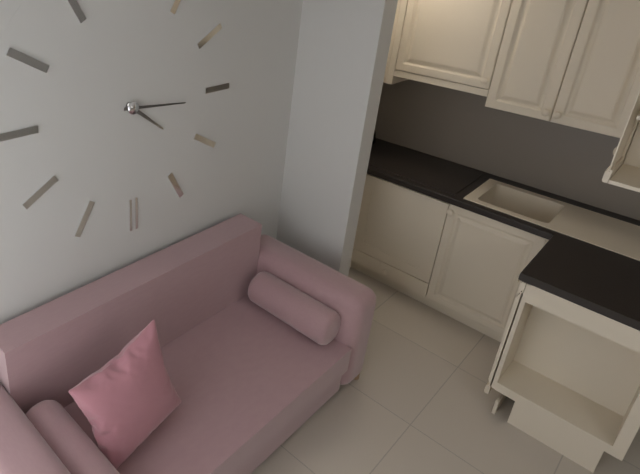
4.16
